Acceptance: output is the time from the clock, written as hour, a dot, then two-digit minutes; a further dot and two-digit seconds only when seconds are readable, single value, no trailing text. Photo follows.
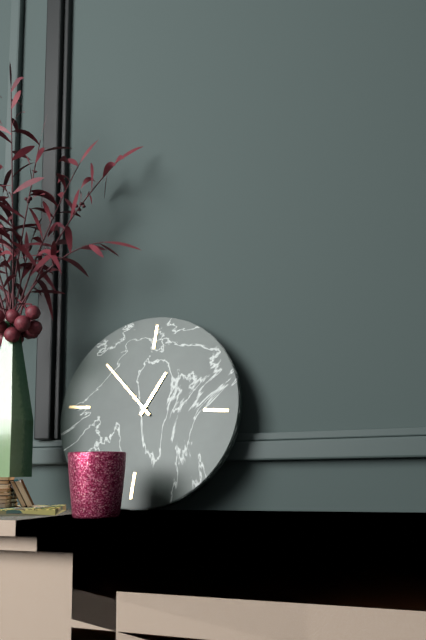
12.52
